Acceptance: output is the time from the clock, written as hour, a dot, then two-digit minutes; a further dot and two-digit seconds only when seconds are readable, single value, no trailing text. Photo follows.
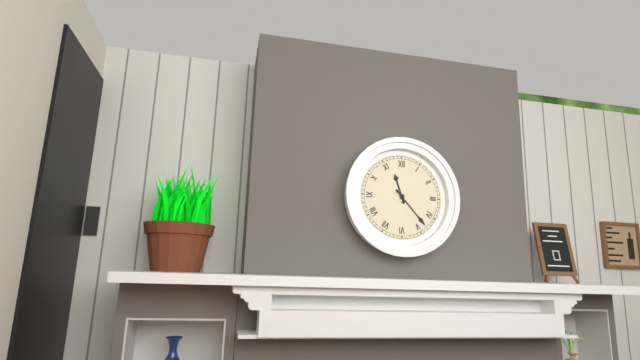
11.23
